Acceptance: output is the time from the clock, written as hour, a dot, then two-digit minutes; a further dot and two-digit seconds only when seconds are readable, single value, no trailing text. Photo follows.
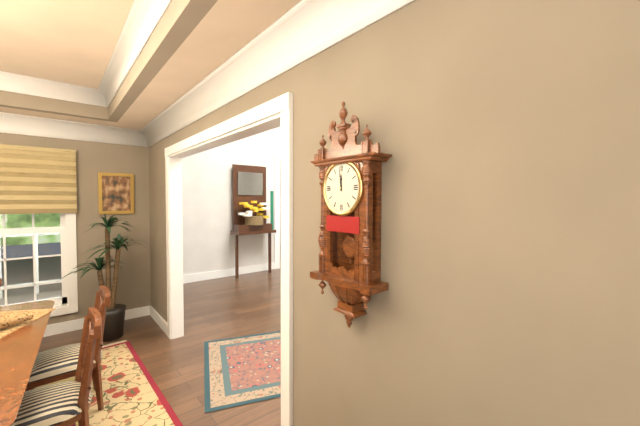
11.59
